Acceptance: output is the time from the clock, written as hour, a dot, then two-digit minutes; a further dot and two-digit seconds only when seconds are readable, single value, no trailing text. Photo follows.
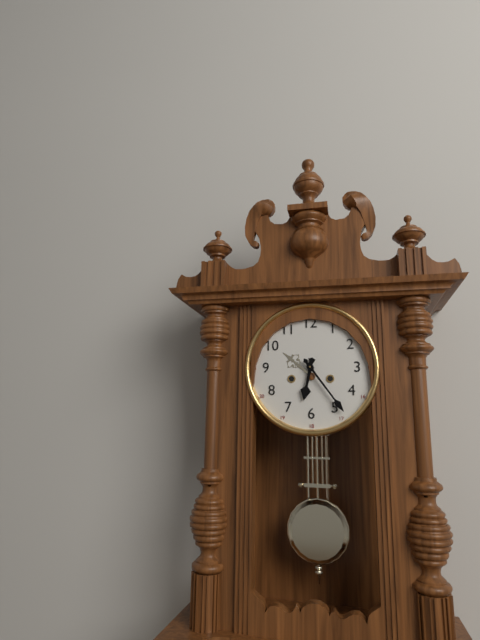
6.24
